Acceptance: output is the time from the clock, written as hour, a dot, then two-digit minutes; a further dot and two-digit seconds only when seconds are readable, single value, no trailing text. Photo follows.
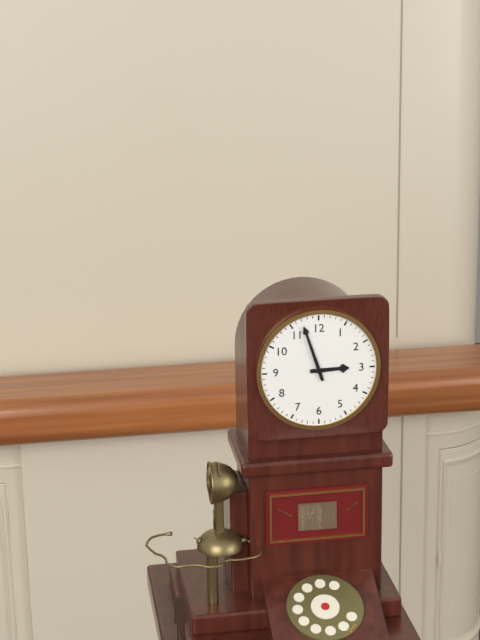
2.57
